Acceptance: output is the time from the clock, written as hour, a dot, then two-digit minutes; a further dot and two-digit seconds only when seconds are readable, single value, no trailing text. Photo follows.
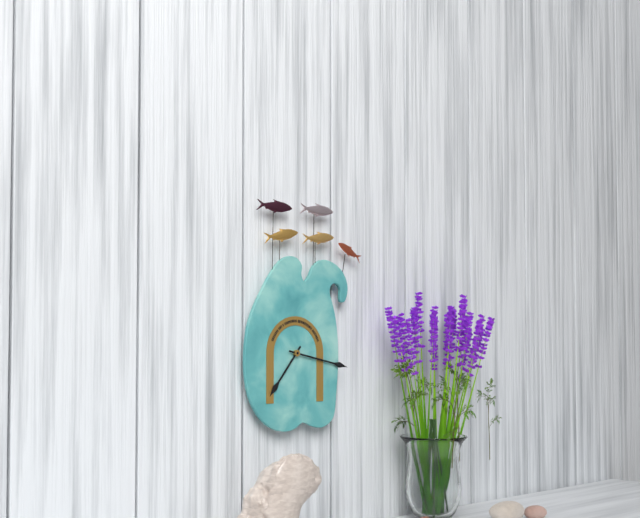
7.17
